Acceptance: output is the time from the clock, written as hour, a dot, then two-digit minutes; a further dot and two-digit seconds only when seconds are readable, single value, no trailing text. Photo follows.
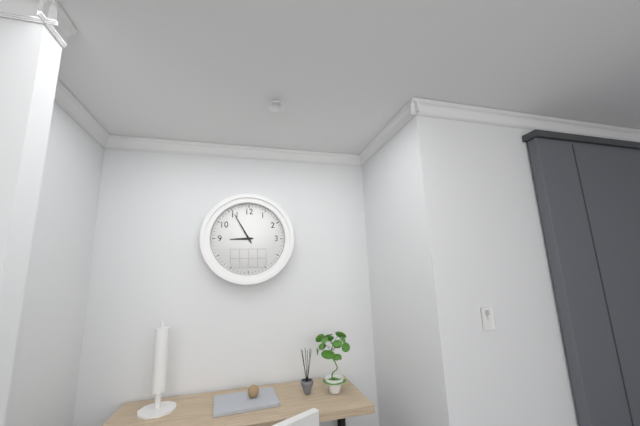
8.55
